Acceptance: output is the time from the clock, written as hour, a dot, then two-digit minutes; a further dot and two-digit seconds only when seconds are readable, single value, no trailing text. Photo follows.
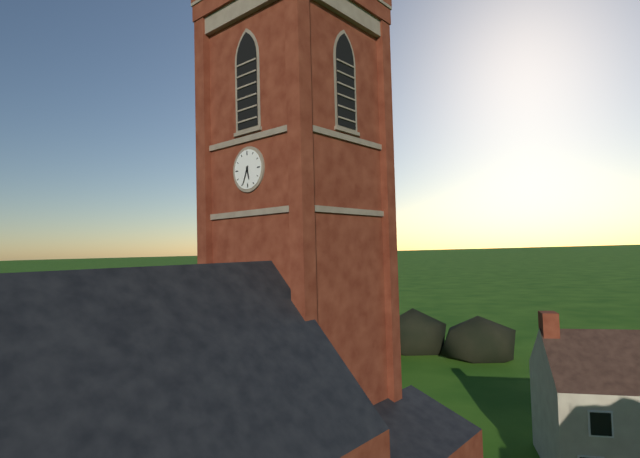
5.34
